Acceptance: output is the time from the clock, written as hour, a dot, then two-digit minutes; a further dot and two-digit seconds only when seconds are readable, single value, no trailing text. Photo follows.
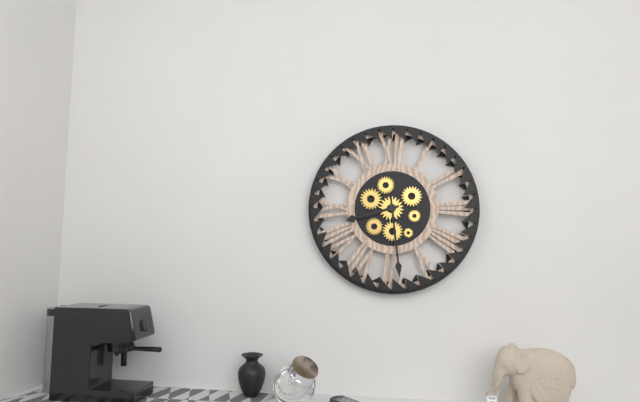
8.29
